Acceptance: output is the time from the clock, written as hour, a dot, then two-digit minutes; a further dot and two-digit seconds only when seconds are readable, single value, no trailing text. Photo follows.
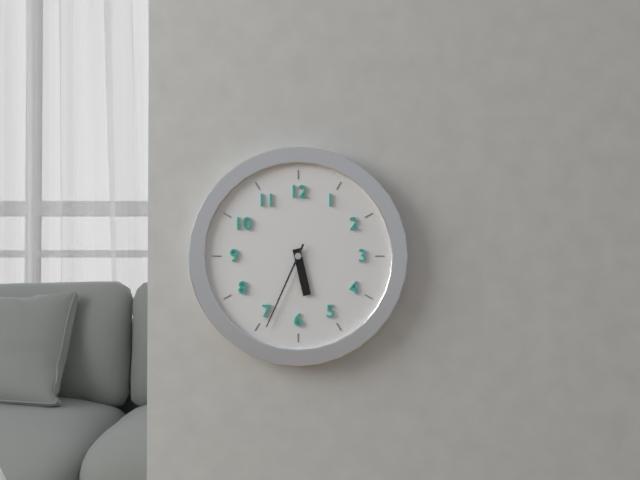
5.34
